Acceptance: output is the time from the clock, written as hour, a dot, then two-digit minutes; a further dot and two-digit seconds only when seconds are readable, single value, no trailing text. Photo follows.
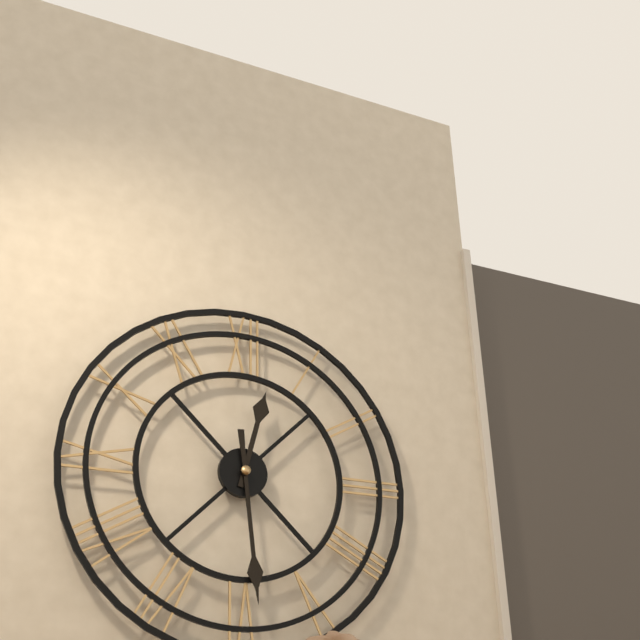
12.29
